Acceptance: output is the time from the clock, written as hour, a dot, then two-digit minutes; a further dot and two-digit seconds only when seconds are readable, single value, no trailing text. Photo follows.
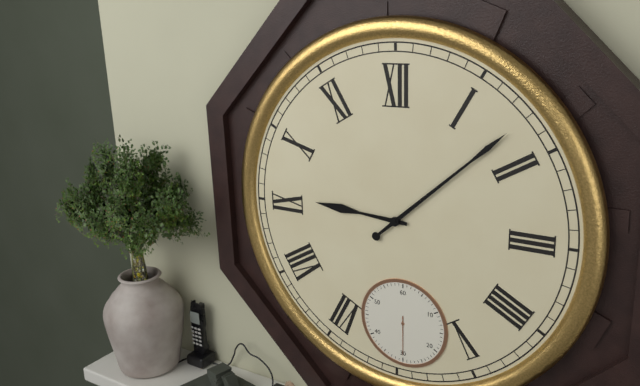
9.08
